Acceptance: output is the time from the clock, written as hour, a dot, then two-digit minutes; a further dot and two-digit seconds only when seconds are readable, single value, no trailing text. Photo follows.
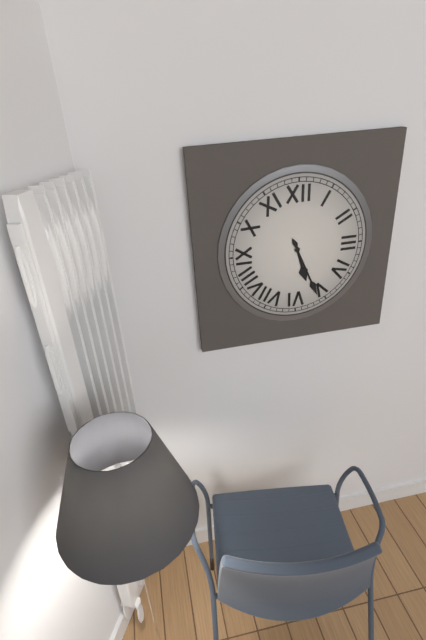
5.26
